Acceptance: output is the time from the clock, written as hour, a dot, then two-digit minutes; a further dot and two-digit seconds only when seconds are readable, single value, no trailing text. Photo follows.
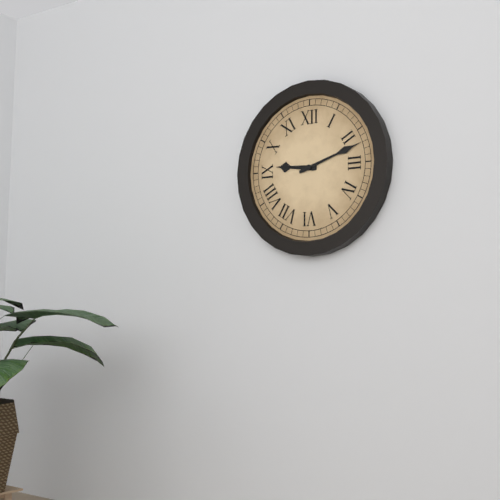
9.12
